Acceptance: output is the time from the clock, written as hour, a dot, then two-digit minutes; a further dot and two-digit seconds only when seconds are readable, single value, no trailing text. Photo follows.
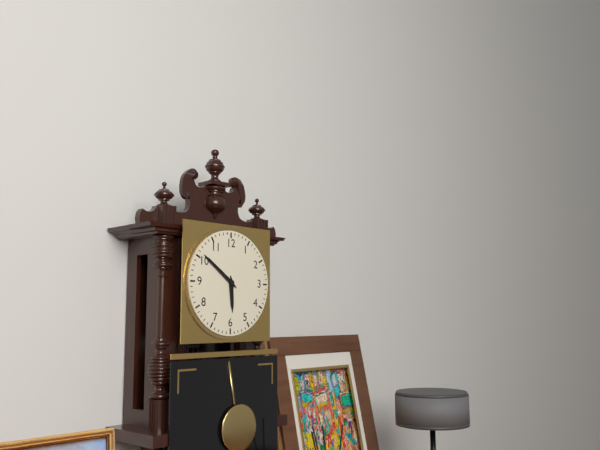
5.51
